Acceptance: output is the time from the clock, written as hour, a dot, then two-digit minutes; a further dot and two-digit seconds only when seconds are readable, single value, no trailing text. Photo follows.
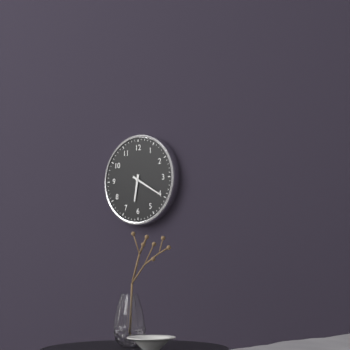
6.20
